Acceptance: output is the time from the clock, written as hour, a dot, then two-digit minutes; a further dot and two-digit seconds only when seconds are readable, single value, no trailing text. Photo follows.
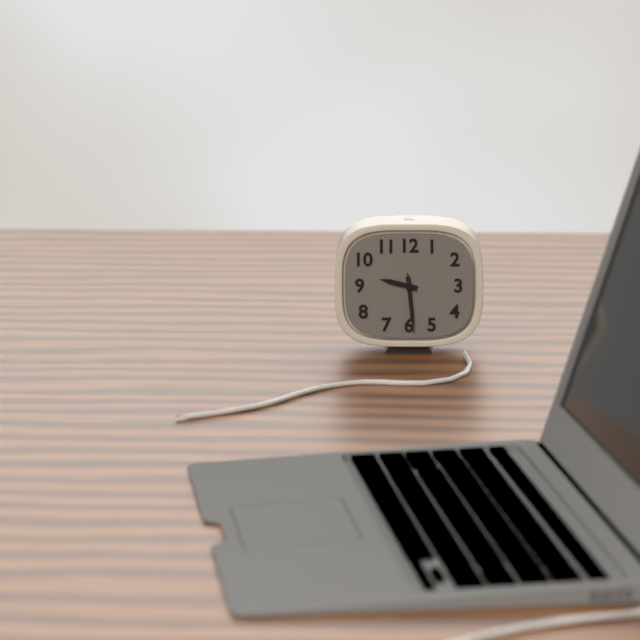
9.29.29
